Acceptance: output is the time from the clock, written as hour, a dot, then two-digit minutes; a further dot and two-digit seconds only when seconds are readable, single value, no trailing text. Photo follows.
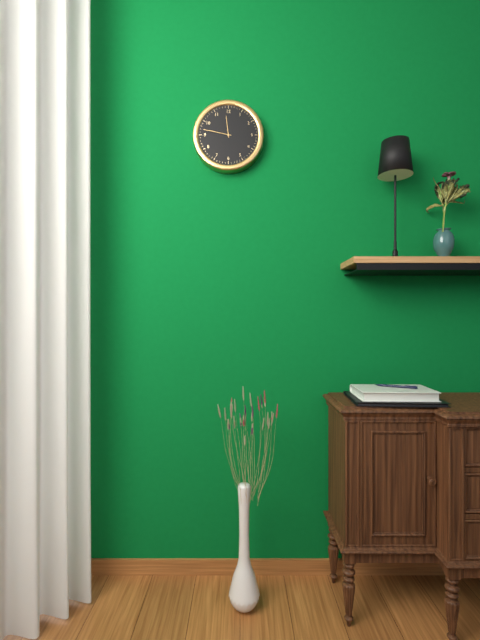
11.47
